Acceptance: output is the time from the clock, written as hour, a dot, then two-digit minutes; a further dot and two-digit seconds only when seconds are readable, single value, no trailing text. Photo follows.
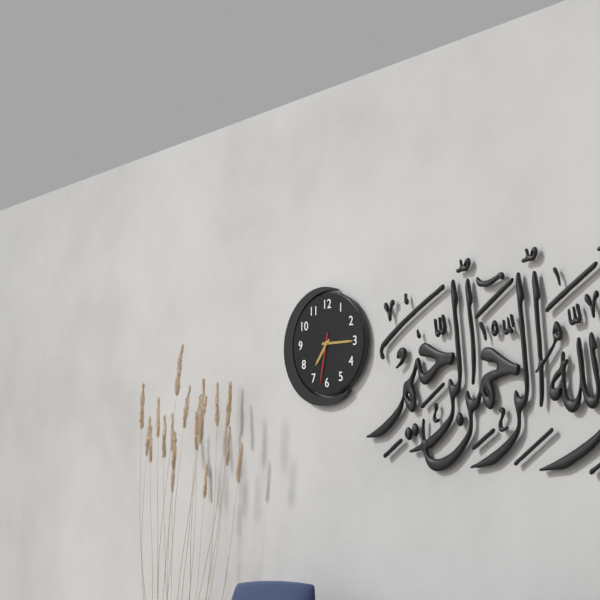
7.15.32
